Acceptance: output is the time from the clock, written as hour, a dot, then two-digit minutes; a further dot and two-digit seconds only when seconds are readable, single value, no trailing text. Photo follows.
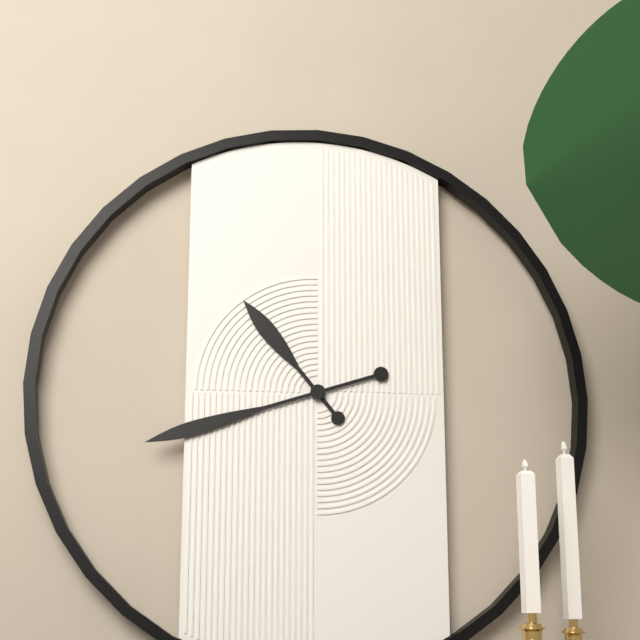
10.42
